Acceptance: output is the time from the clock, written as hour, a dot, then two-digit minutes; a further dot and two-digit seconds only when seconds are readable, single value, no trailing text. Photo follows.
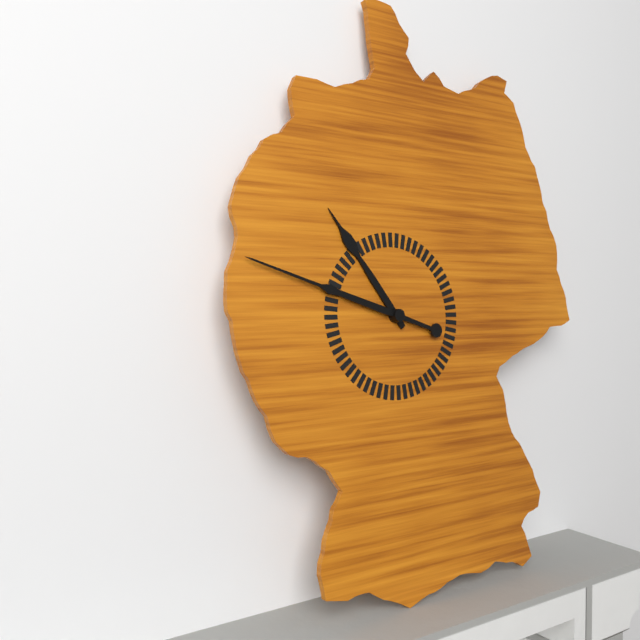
10.48
